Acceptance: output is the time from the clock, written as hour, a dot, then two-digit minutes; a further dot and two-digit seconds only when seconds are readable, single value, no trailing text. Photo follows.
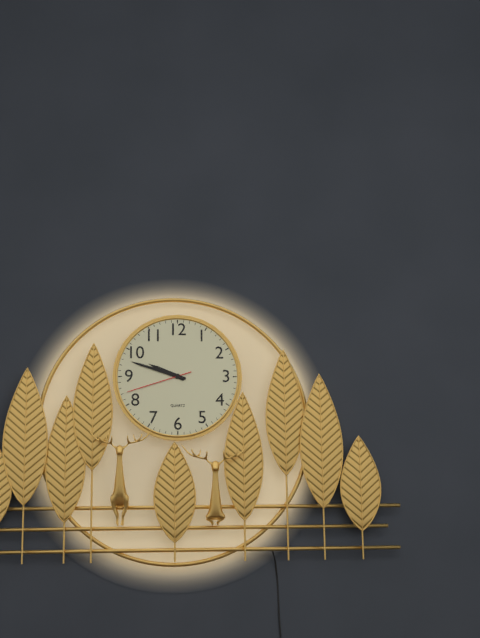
9.48.42
